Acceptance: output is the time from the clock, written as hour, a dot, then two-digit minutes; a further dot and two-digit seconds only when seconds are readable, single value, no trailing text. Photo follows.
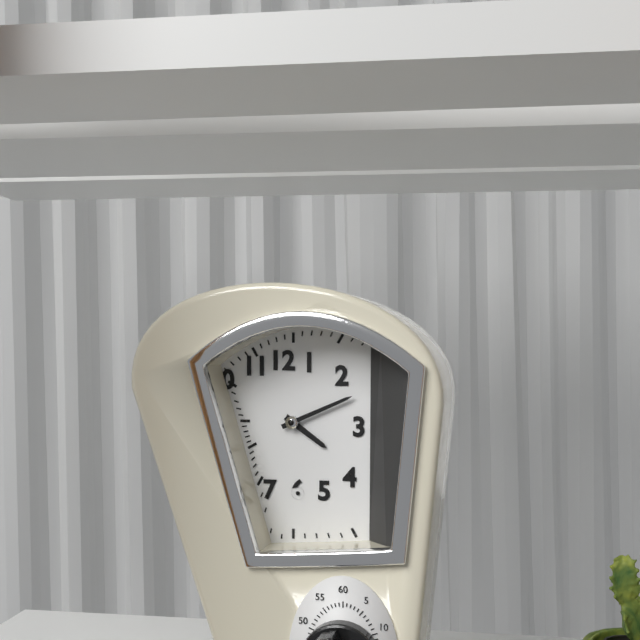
4.11
